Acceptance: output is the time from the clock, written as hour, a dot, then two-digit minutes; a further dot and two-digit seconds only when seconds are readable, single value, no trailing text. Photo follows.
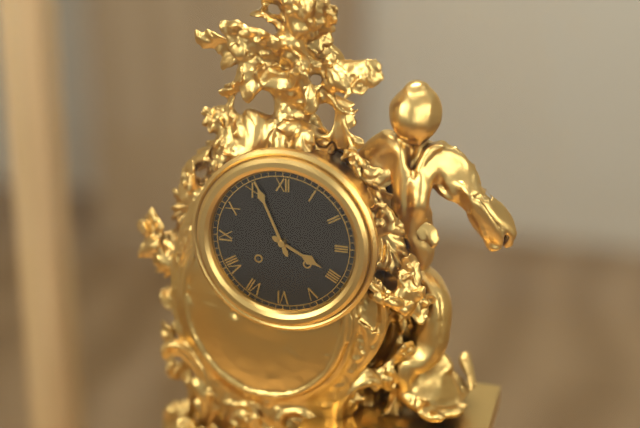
3.56
